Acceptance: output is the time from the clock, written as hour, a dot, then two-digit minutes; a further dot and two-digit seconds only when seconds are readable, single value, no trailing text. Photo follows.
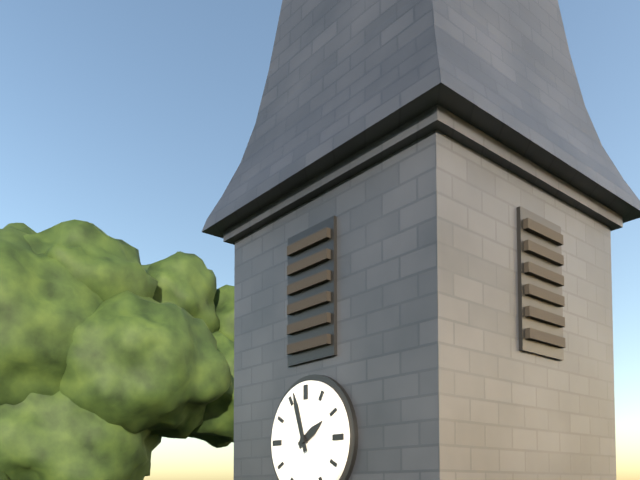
1.57
